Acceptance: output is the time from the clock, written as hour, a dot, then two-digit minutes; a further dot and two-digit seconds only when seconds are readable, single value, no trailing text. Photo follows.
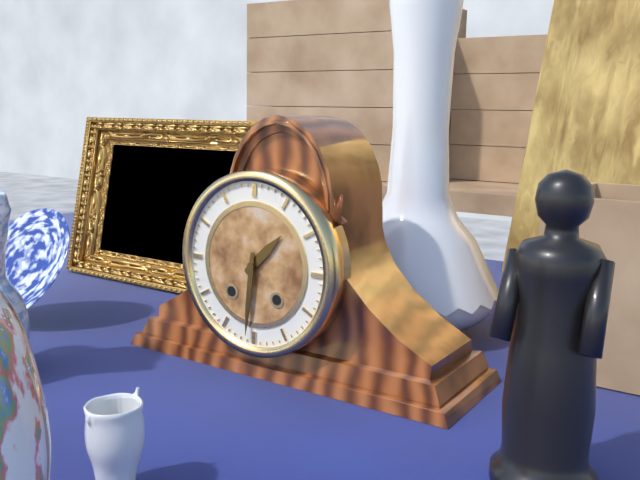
1.31
